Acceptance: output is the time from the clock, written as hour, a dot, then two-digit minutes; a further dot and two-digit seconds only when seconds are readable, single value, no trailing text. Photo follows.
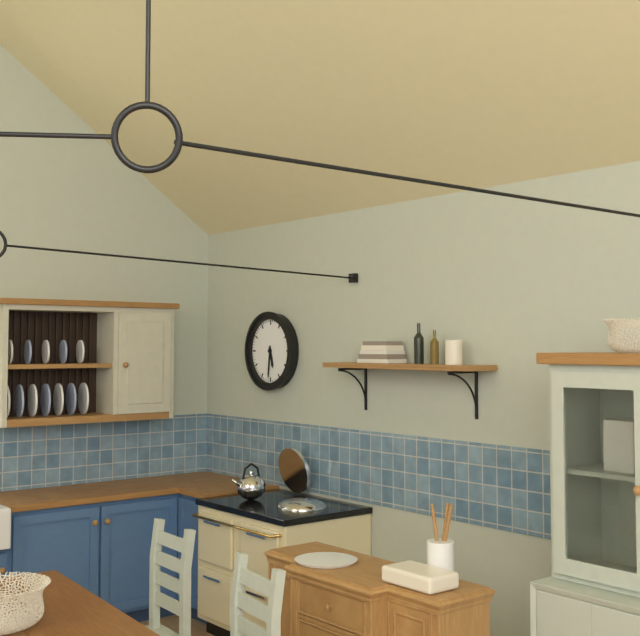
5.31
